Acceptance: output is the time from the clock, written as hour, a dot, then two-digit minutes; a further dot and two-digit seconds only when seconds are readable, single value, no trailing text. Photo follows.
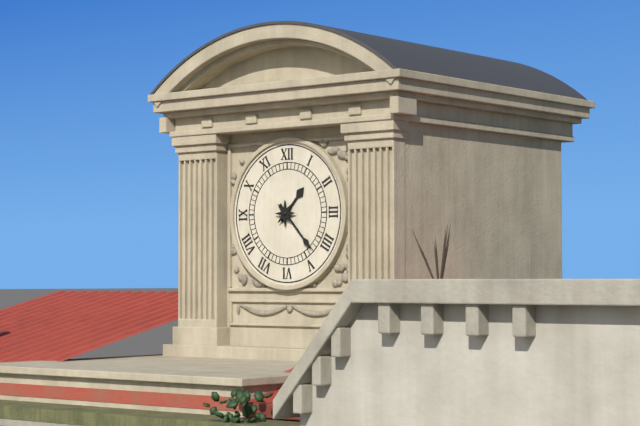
1.23
